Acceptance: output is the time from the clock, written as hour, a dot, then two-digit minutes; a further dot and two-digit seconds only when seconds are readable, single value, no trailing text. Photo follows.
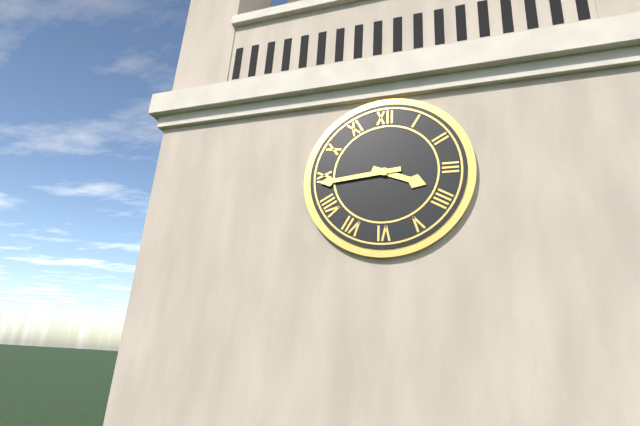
3.44
